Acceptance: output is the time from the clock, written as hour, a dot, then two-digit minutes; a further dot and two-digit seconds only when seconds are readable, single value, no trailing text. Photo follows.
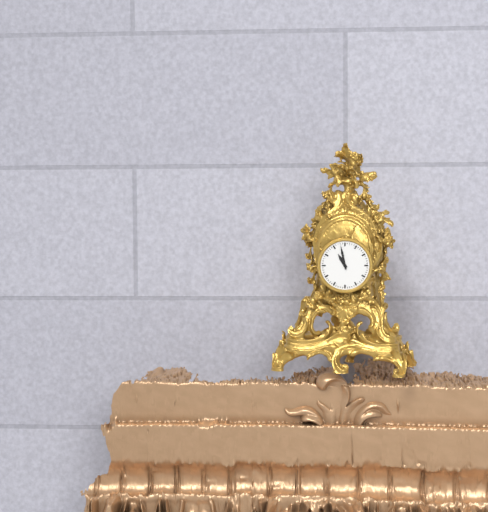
10.58
